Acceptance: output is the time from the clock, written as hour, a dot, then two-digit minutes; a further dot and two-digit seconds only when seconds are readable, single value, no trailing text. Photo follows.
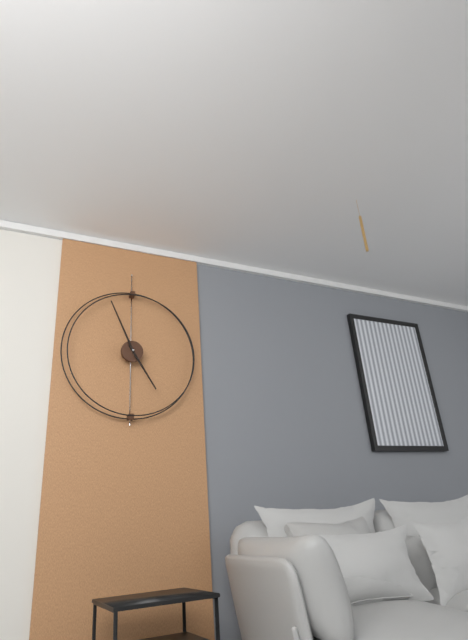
4.56
